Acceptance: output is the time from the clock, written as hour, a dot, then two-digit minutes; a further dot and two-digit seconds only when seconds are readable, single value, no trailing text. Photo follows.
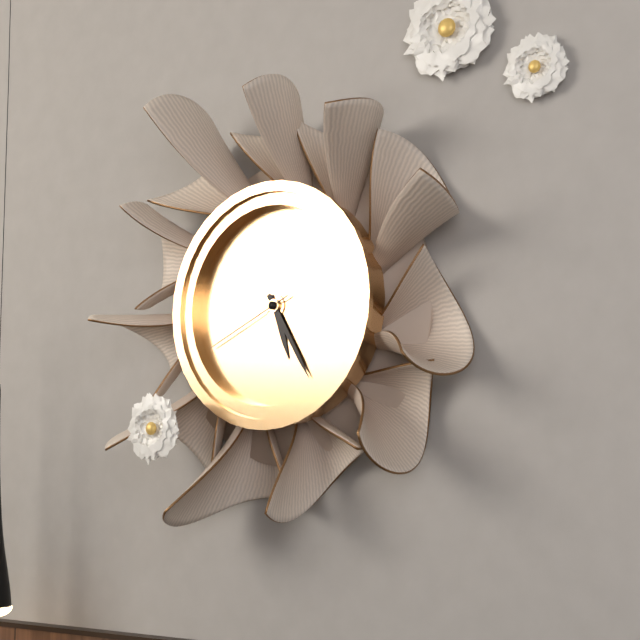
5.25.41
